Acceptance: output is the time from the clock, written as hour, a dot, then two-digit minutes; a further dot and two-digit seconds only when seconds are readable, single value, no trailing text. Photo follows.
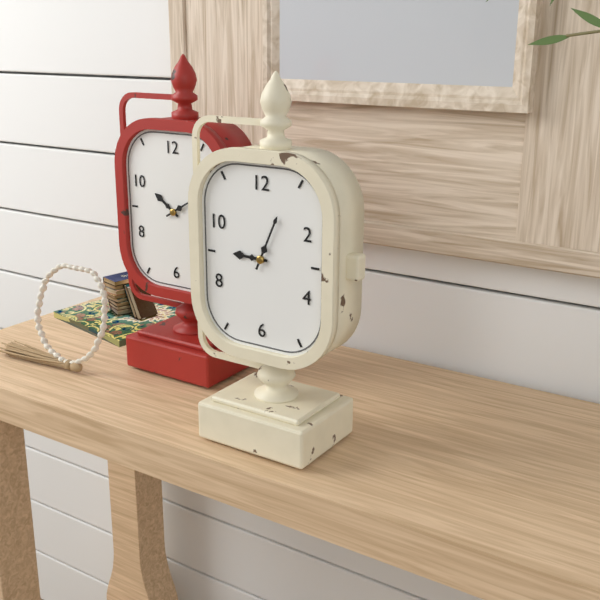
9.04
